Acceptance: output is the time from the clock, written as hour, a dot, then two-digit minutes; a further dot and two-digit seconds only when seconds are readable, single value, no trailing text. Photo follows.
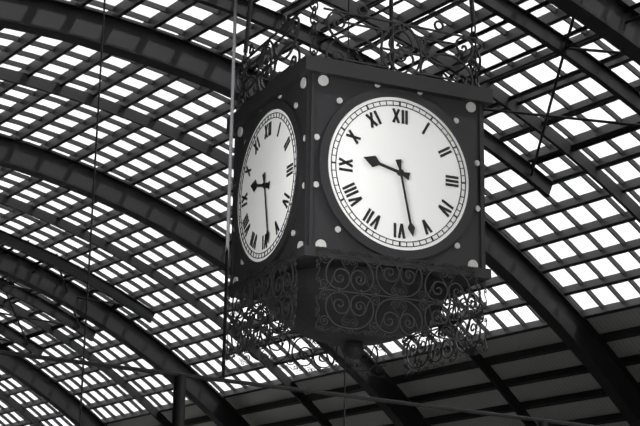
9.28
